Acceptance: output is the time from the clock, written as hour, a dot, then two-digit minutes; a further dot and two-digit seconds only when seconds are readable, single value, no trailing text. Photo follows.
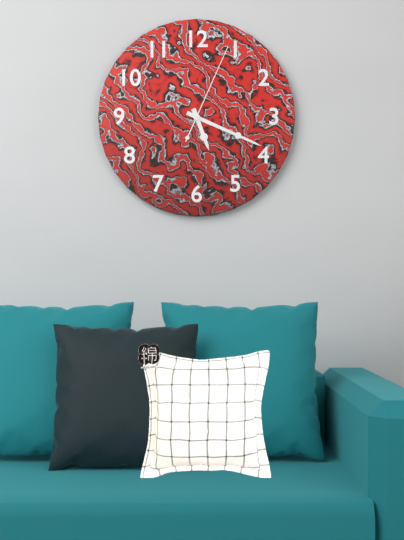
5.19.04
